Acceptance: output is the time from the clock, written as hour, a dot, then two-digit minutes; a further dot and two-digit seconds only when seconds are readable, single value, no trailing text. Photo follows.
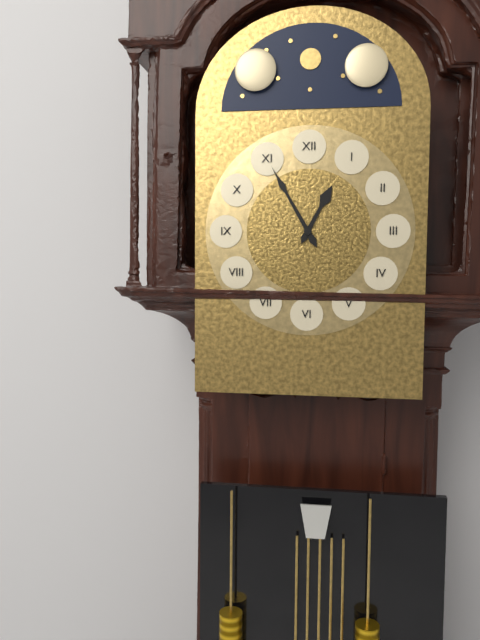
12.55
